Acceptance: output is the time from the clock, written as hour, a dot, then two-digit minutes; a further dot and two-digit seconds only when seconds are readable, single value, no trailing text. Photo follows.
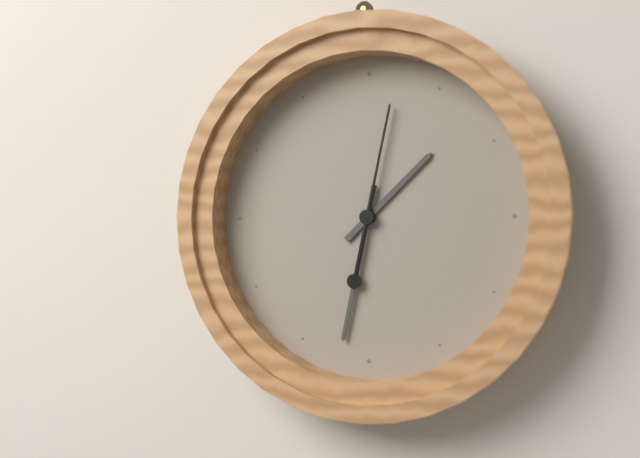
1.32.02
